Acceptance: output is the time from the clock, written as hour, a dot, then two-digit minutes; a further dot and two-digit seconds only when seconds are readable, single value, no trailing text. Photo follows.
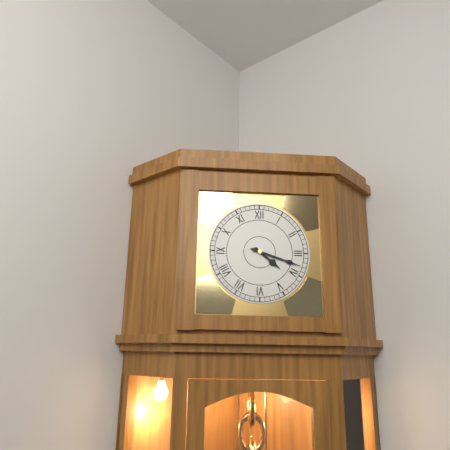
4.18
